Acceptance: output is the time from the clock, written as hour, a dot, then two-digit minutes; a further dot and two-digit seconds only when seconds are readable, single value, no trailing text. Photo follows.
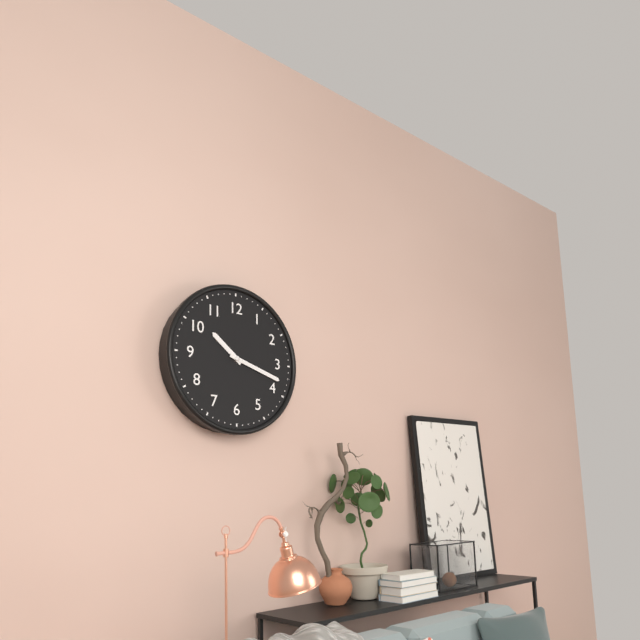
10.18
